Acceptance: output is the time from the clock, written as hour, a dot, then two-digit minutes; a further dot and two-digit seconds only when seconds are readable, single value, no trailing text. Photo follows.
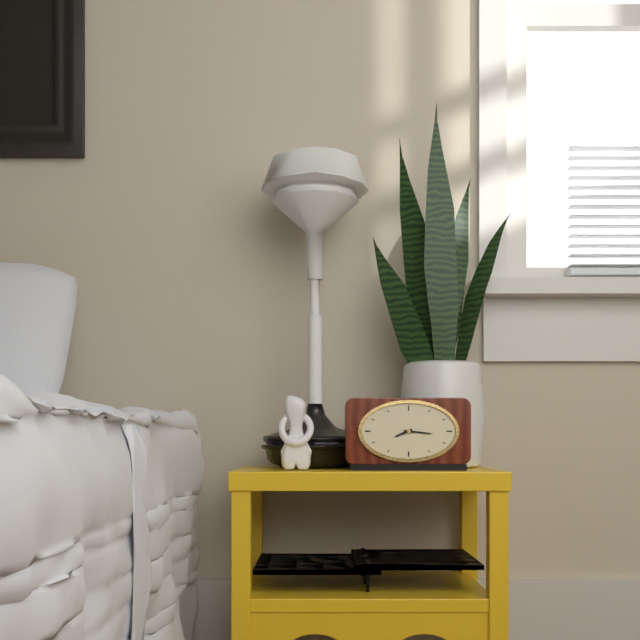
8.16
